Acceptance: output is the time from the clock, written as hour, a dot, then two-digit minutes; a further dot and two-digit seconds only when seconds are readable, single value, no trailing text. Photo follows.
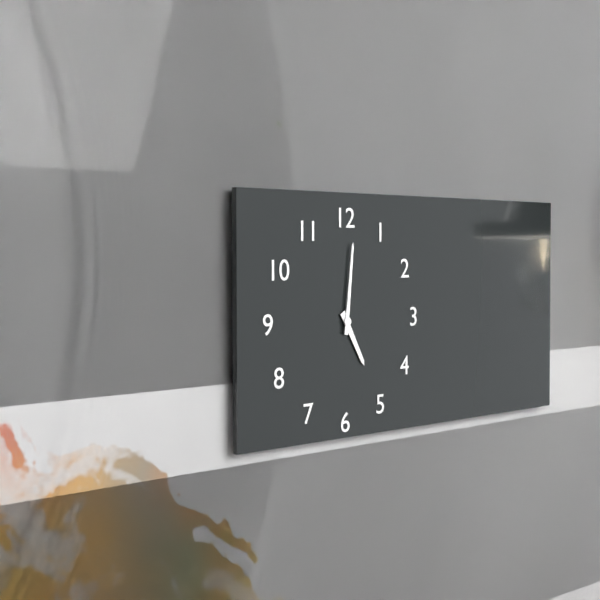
5.01
